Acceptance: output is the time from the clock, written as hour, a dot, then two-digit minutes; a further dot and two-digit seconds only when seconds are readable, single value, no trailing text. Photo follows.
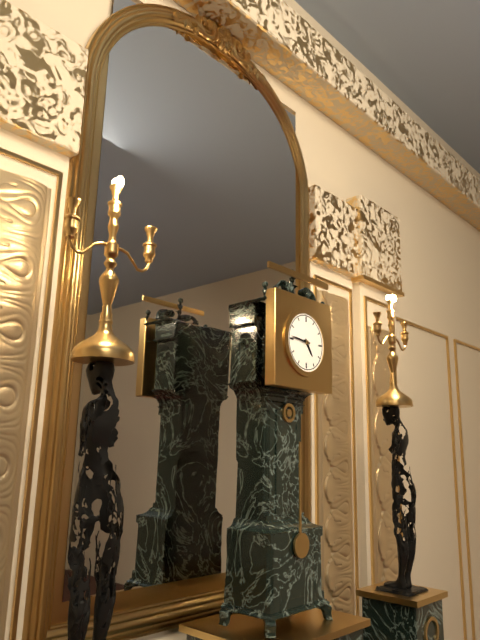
4.46
